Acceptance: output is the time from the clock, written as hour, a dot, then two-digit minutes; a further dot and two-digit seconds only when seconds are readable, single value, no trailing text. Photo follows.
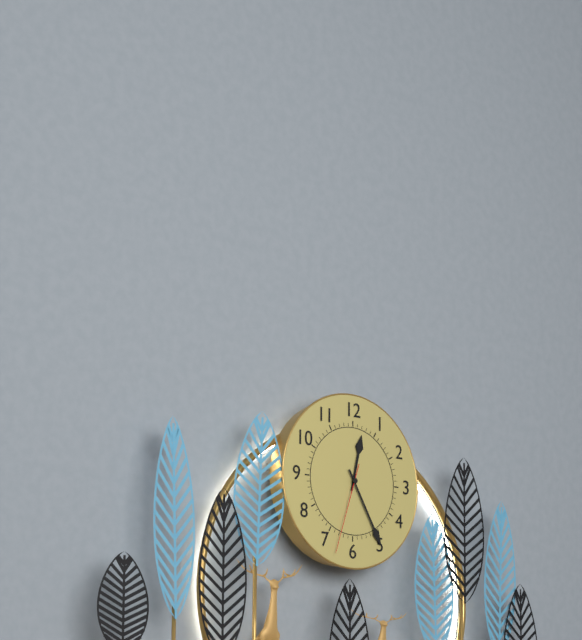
12.25.33
